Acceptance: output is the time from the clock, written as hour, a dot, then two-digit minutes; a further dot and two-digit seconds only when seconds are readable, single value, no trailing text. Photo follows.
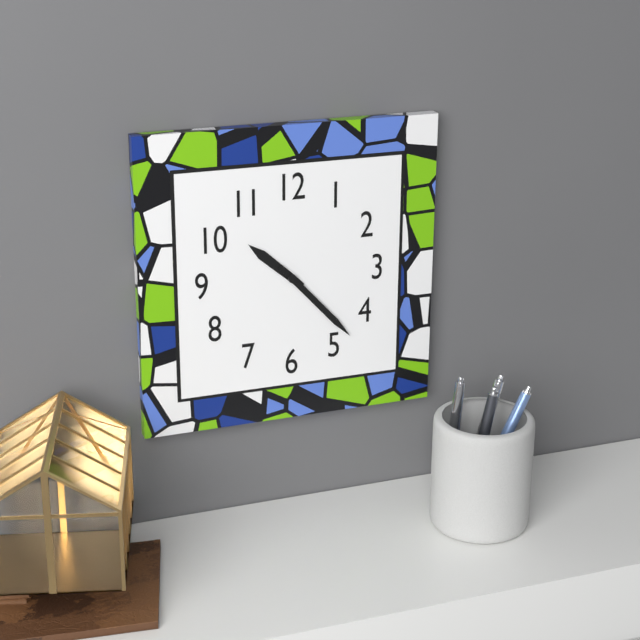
10.23
